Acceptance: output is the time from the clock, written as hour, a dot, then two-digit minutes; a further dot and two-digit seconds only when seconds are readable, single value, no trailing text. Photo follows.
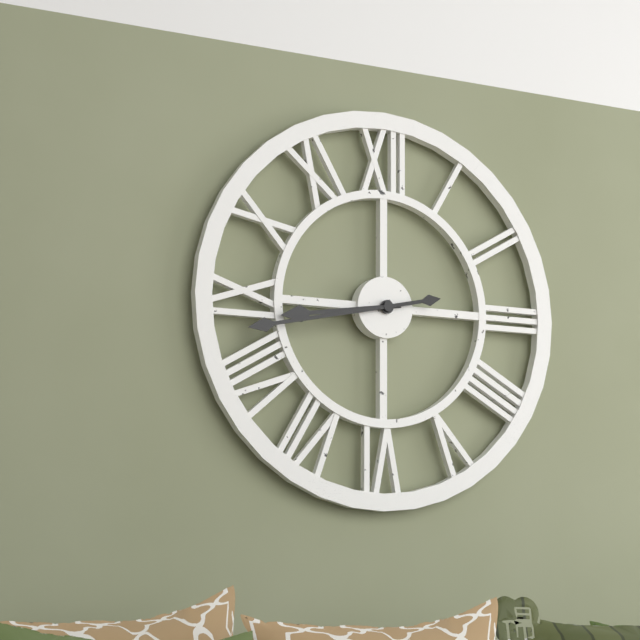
8.43
